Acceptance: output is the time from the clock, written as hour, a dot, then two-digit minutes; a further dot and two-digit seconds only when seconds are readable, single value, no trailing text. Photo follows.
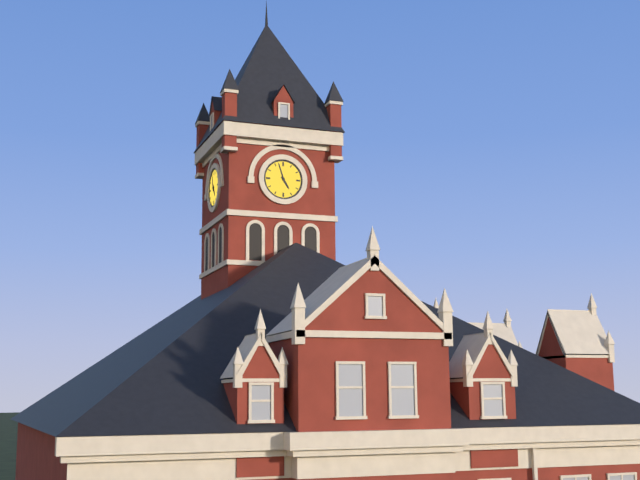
4.57
